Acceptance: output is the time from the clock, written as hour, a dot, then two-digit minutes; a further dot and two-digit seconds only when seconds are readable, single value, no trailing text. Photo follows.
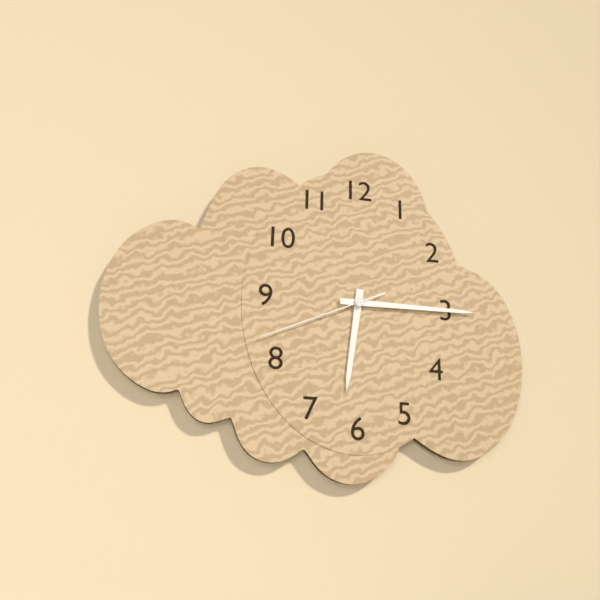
6.15.41
